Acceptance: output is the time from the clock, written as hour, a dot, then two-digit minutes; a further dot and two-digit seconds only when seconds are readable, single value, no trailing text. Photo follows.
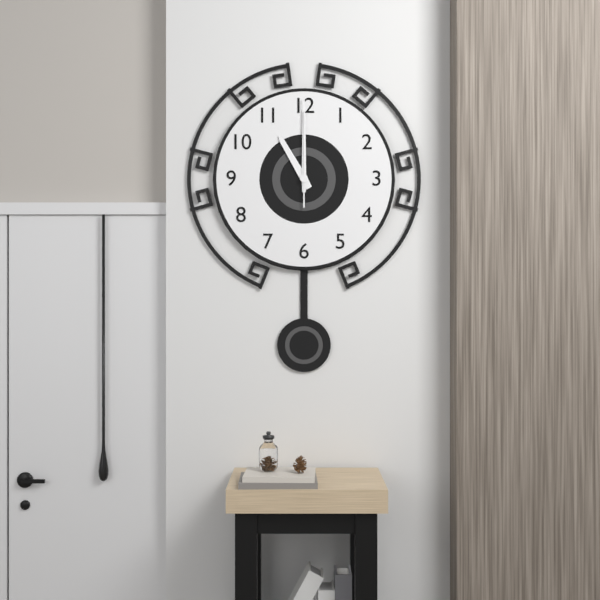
11.00.00
